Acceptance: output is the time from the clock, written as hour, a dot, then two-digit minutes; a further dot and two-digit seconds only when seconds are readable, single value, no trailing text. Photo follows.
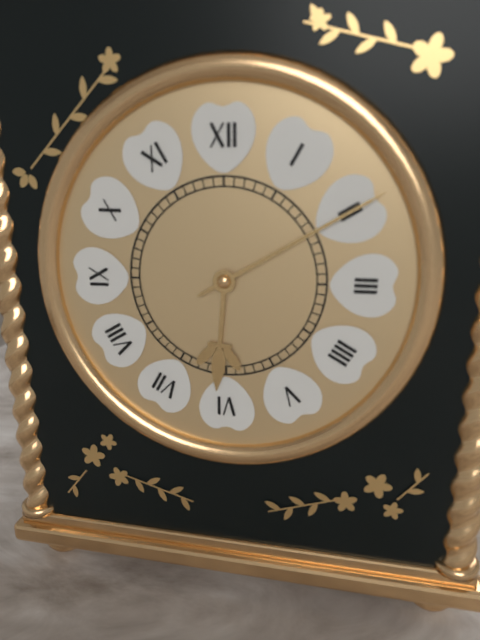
6.10
